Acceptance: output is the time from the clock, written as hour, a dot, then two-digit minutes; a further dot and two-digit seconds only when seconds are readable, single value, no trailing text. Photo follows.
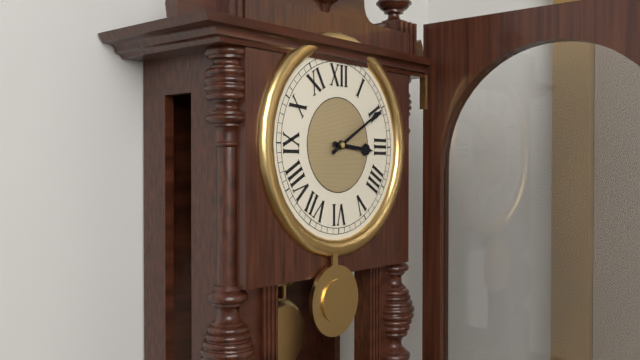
3.10
